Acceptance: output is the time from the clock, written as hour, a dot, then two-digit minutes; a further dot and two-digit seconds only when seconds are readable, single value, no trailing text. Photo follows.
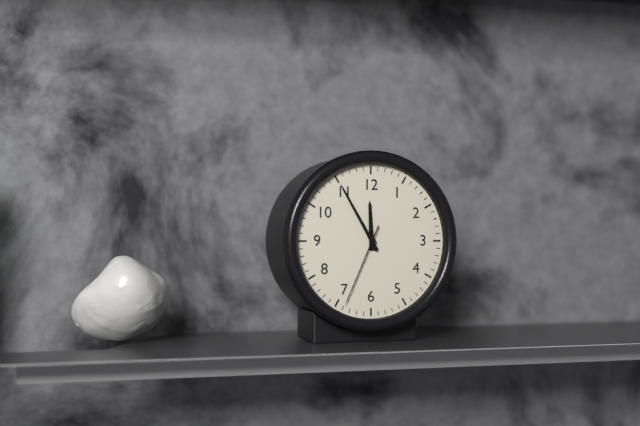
11.55.34
